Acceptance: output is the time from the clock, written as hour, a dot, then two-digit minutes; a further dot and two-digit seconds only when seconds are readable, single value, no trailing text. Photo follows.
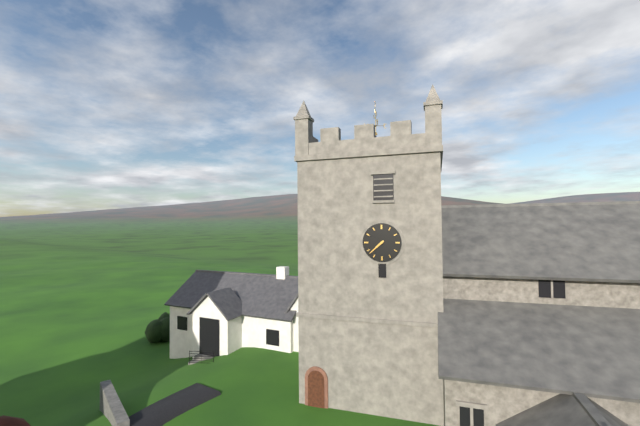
7.38
